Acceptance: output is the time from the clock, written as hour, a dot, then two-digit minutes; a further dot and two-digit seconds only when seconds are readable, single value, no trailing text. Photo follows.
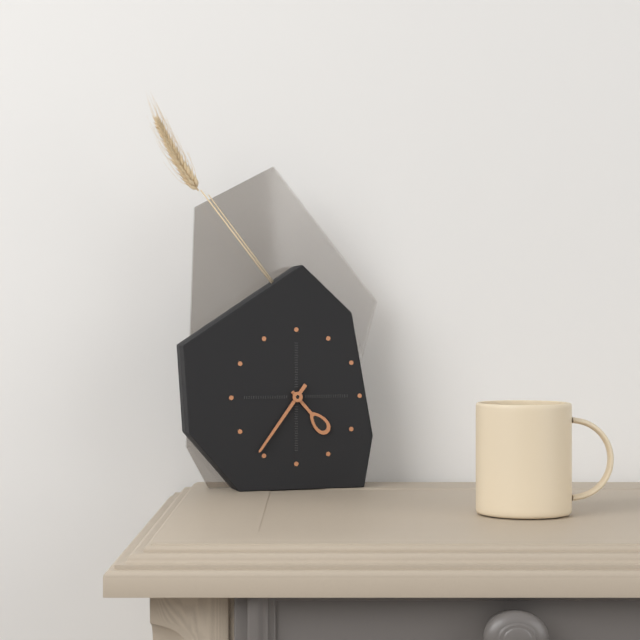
4.36
